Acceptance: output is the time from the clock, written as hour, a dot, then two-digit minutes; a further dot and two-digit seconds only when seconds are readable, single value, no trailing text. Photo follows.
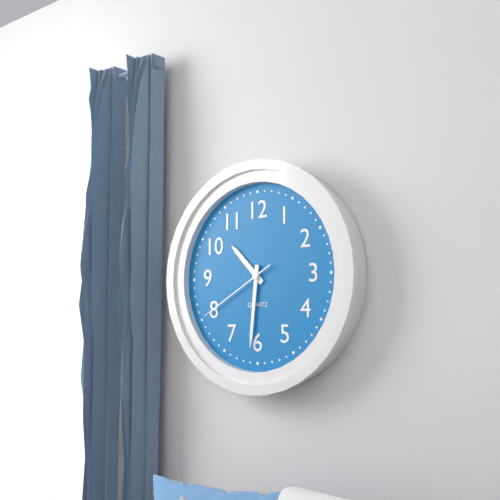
10.31.40
